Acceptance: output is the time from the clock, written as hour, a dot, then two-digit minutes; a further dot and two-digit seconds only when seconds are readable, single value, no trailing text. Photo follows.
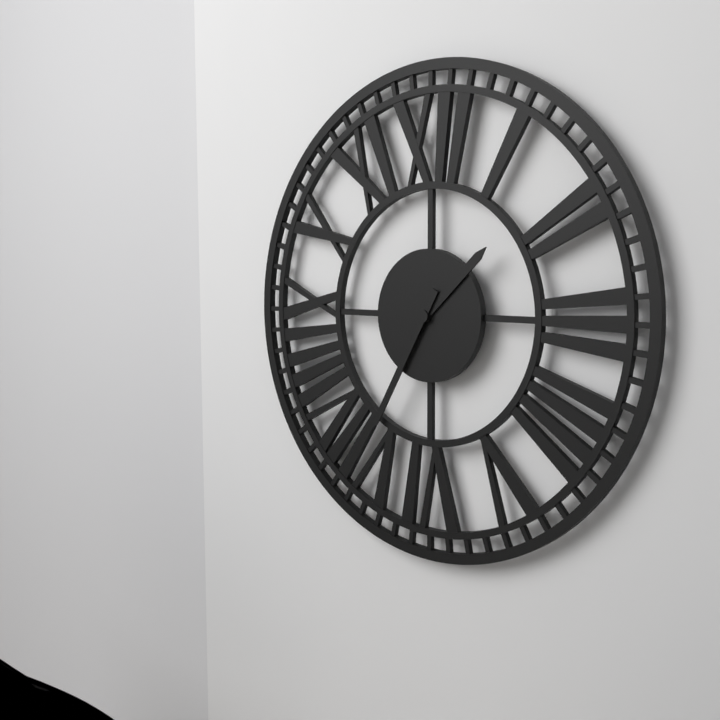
1.35
